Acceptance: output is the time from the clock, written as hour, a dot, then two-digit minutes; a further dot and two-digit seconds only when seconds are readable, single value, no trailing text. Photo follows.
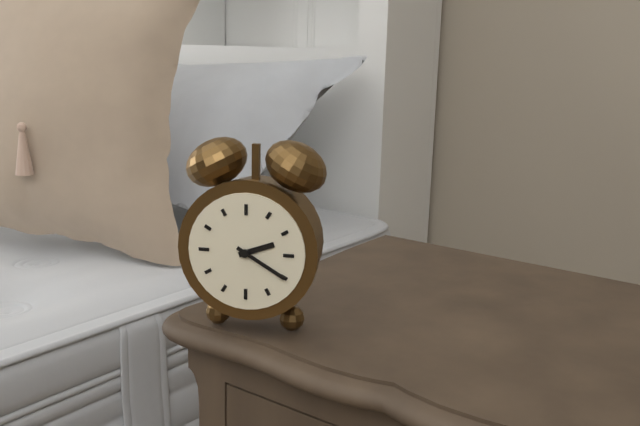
2.20
